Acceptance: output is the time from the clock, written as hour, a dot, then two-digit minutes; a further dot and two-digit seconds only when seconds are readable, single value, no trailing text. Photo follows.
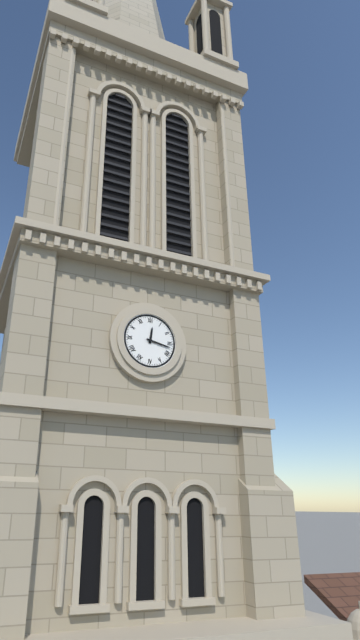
12.17
